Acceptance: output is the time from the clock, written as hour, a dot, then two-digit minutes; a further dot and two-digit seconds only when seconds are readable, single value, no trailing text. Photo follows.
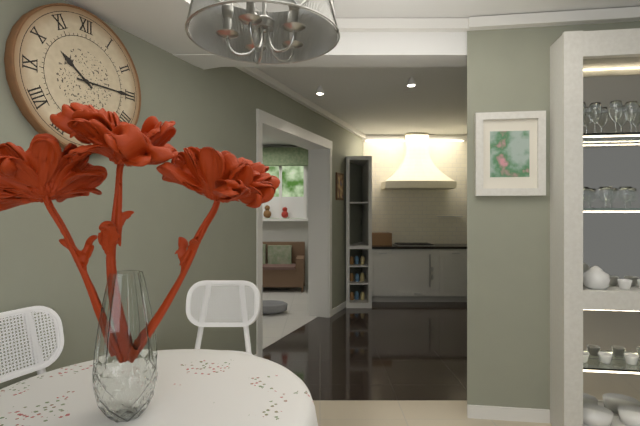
10.15
